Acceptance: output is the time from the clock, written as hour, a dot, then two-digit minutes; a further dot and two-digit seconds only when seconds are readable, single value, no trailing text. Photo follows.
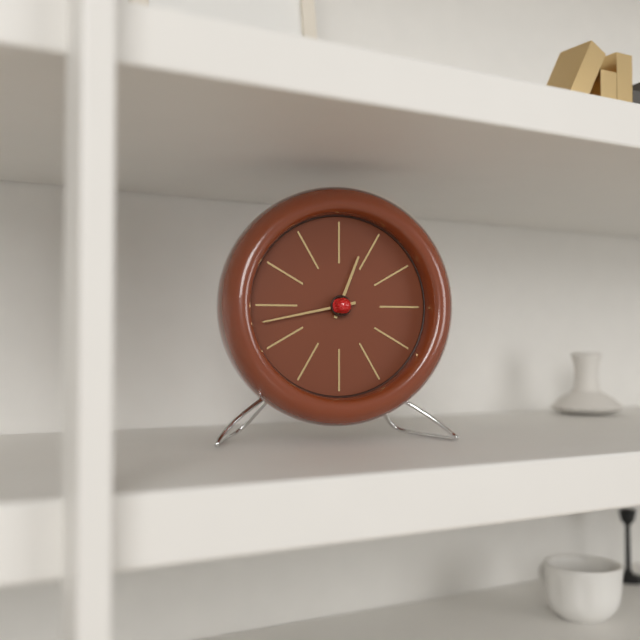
12.43
